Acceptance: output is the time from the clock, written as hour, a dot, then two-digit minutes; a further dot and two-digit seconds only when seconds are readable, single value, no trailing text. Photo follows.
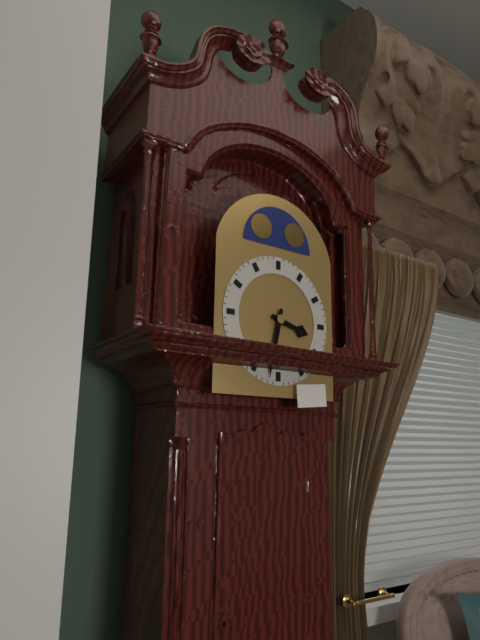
3.32
